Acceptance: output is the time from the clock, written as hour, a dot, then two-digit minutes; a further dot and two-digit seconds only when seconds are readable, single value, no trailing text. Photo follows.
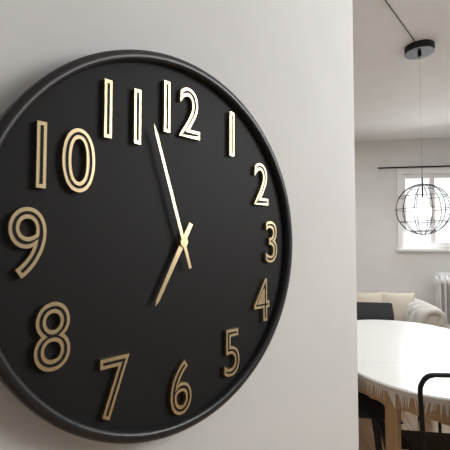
6.57
